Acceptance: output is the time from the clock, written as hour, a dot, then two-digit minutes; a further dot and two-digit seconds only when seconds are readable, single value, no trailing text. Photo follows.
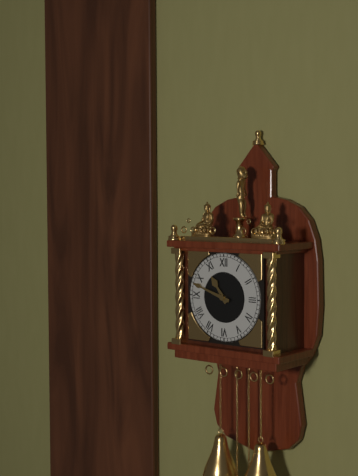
10.48
